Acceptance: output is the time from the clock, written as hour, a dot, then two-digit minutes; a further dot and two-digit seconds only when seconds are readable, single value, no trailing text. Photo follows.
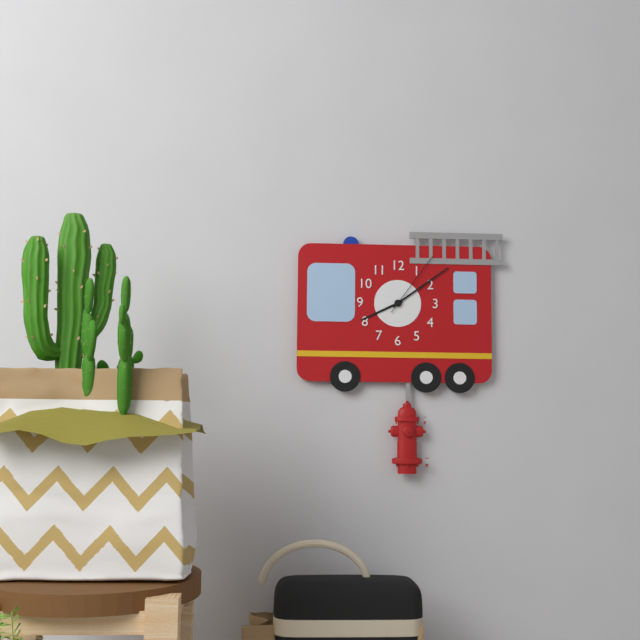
8.09.06
